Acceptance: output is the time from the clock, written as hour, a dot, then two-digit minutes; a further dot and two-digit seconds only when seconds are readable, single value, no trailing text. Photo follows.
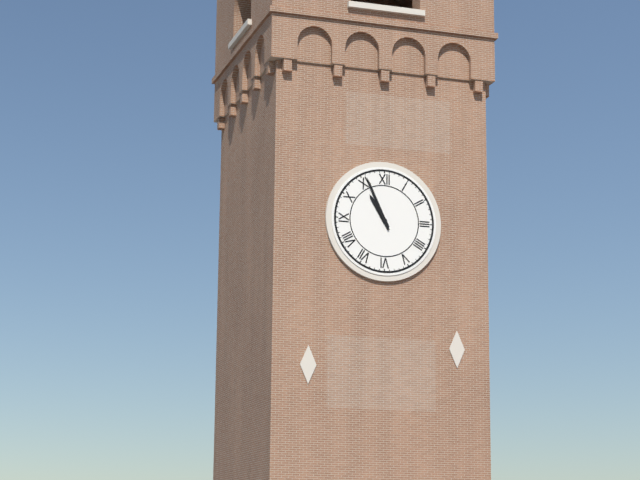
10.56
